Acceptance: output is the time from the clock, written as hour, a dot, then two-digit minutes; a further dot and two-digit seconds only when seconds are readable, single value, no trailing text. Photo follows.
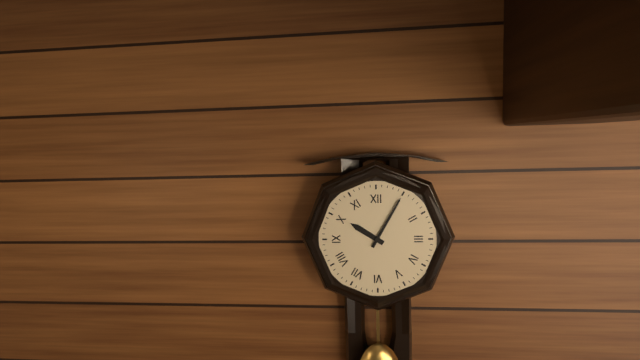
10.05
